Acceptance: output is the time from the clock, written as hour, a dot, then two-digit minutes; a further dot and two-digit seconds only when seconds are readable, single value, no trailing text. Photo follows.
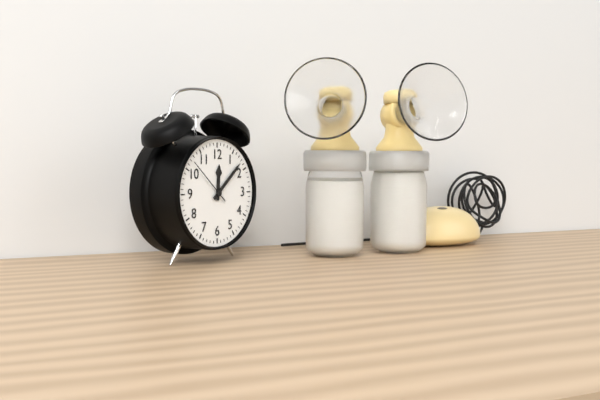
12.08
